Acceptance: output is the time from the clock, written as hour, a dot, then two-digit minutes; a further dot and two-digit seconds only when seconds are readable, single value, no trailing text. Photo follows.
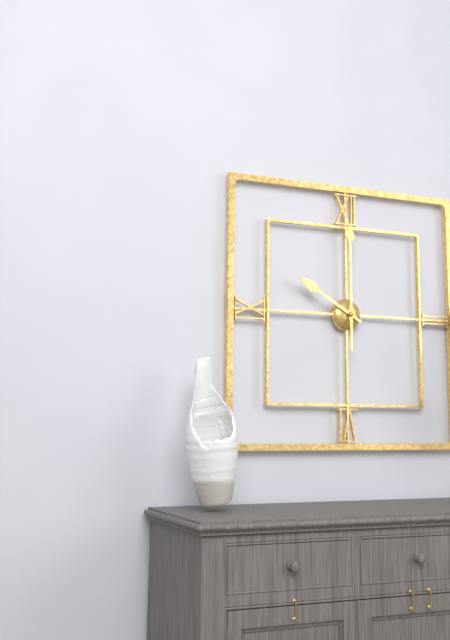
10.00
